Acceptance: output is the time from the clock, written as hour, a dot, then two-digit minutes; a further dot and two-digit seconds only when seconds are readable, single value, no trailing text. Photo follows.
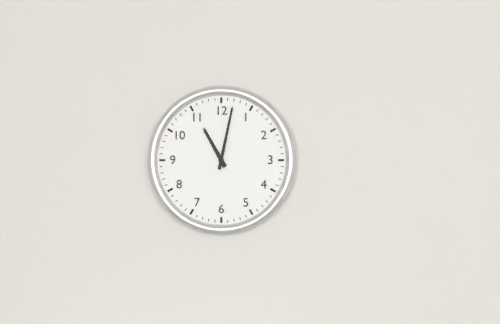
11.02
